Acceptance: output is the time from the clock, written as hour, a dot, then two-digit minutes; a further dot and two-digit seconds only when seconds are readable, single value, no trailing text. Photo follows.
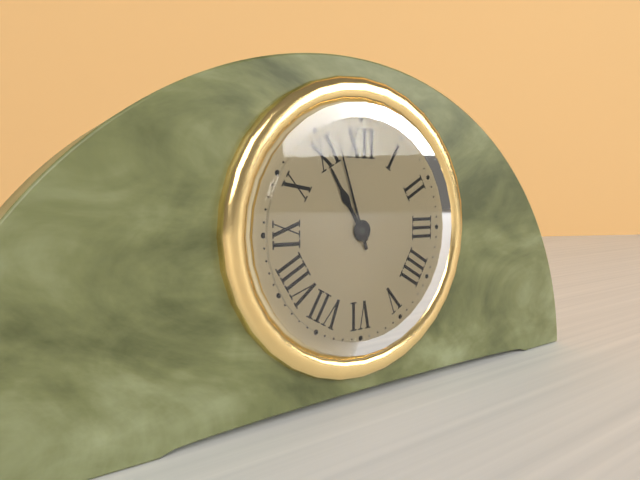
10.57
